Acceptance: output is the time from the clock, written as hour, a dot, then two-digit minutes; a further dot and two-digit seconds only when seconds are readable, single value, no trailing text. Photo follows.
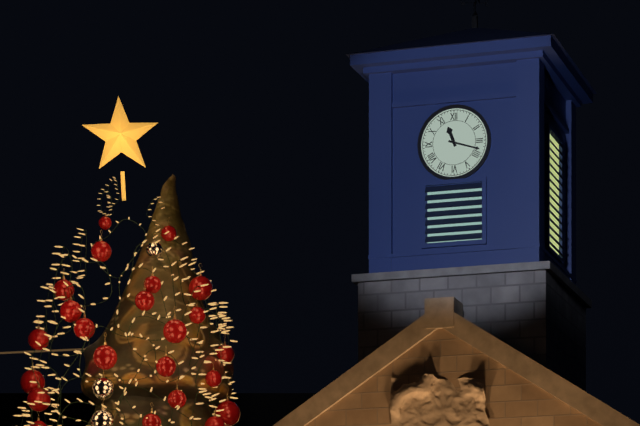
11.18
